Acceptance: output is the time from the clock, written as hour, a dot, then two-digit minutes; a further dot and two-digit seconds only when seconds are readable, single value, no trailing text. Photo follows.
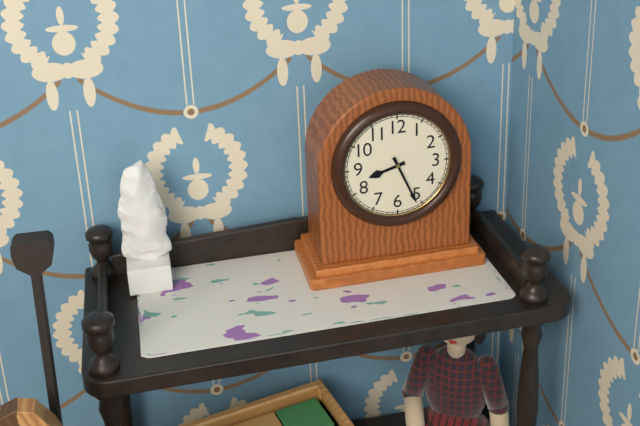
8.26
